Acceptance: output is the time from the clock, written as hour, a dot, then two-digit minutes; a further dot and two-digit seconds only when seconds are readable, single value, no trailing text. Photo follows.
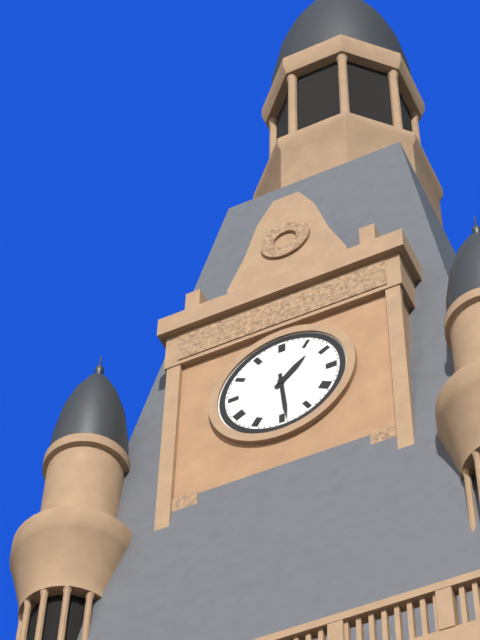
1.29
